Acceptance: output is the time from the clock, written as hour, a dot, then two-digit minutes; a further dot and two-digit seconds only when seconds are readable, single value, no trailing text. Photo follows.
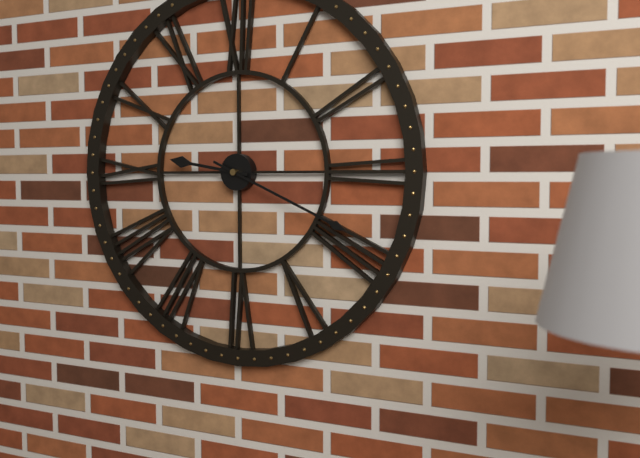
9.19
